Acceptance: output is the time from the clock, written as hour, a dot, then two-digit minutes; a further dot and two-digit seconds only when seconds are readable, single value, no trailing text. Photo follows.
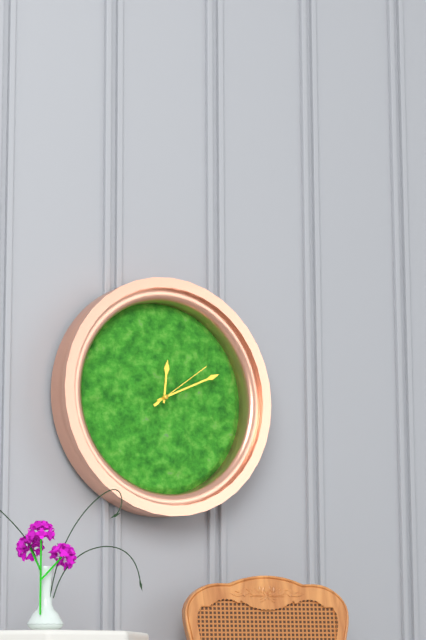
12.11.09
